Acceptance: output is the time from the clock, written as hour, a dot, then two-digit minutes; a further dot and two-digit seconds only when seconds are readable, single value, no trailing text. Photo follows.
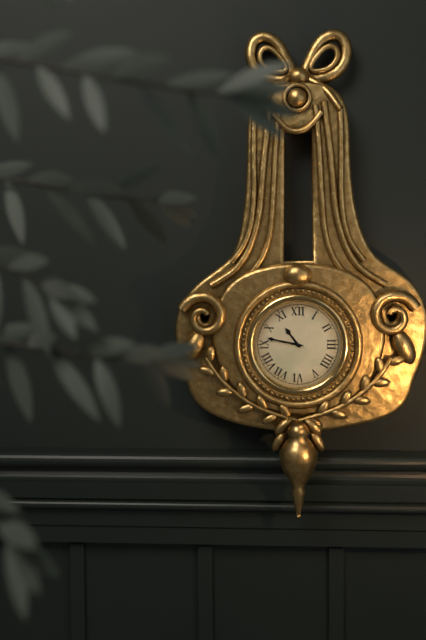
10.47
